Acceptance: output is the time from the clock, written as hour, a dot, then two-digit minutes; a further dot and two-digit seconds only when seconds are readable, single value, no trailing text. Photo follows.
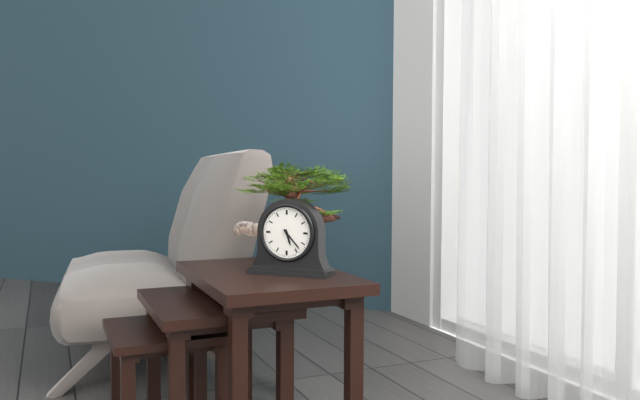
5.23
